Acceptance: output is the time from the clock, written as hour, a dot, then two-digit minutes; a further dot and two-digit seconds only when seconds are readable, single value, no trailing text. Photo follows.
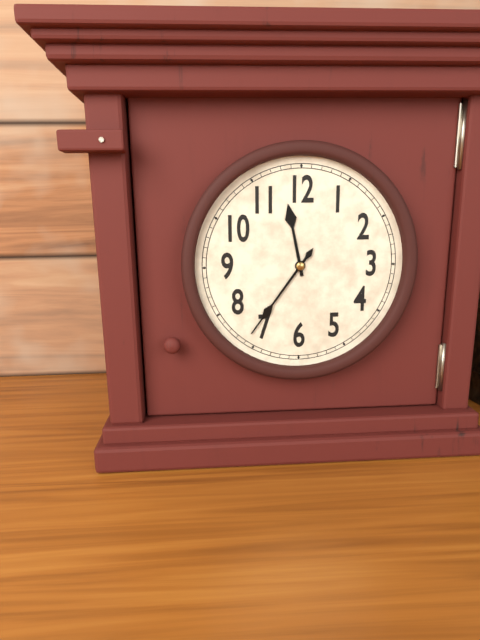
11.36
